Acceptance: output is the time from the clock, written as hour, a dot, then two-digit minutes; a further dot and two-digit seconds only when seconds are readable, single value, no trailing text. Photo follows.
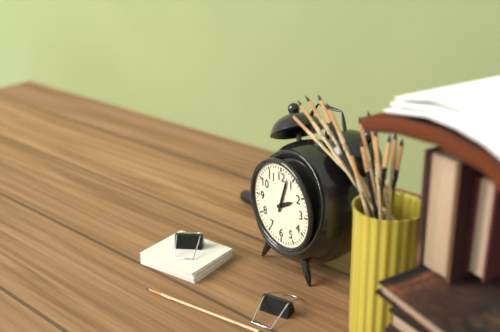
2.03
